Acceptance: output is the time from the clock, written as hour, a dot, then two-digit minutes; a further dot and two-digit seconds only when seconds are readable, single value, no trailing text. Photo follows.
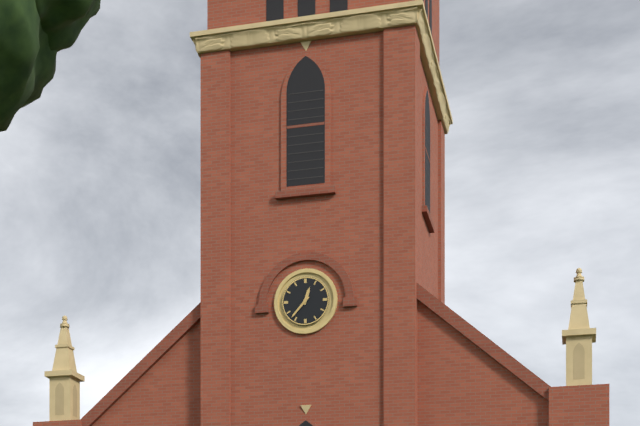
12.37
